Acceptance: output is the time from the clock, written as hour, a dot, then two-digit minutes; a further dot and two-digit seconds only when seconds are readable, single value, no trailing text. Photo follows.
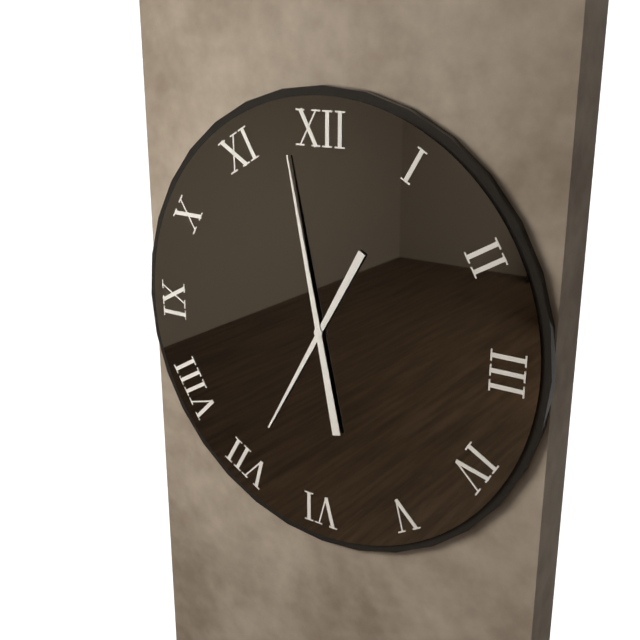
6.58
